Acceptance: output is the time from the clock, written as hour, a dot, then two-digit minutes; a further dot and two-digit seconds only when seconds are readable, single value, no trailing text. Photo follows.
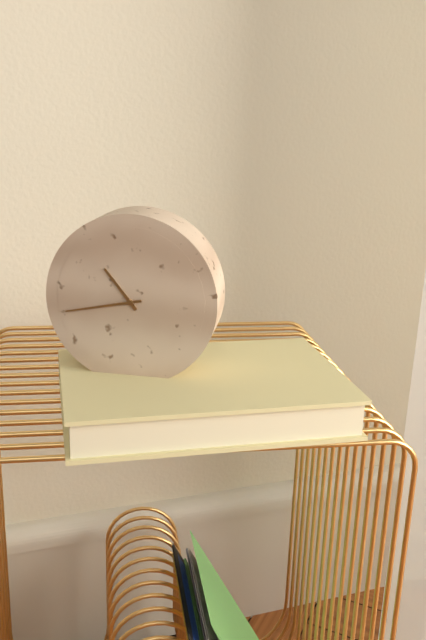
10.43
